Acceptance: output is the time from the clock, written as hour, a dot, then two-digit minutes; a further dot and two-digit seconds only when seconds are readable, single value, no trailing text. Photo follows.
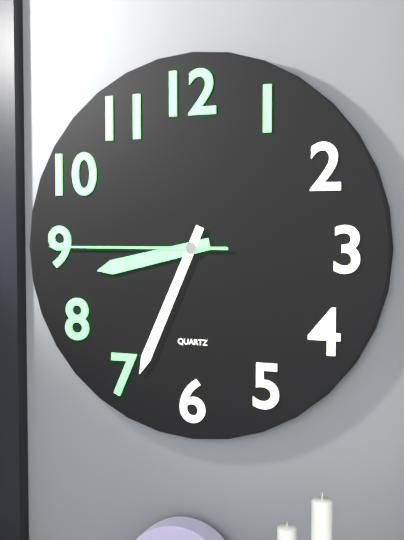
8.34.45
